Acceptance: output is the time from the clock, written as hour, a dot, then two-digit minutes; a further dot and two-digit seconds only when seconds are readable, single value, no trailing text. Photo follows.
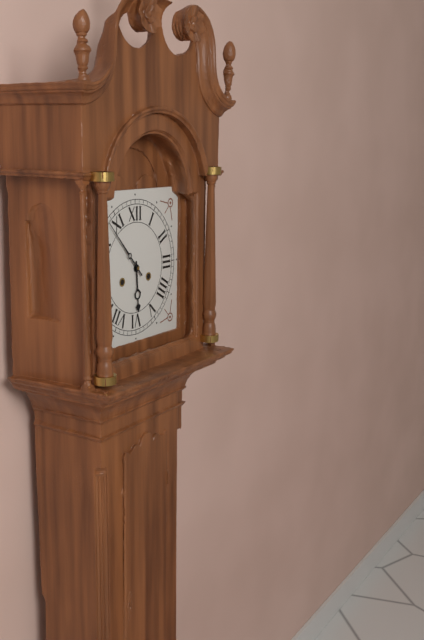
5.53
